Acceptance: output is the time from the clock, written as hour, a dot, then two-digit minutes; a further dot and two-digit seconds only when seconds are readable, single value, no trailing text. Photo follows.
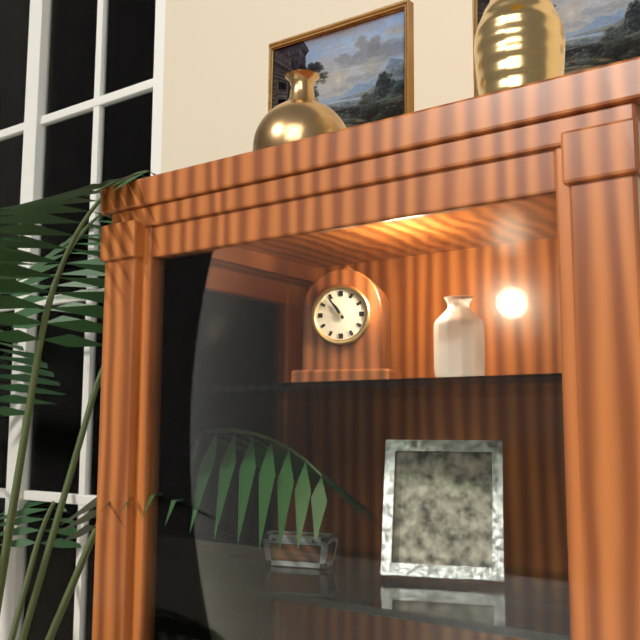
10.54
